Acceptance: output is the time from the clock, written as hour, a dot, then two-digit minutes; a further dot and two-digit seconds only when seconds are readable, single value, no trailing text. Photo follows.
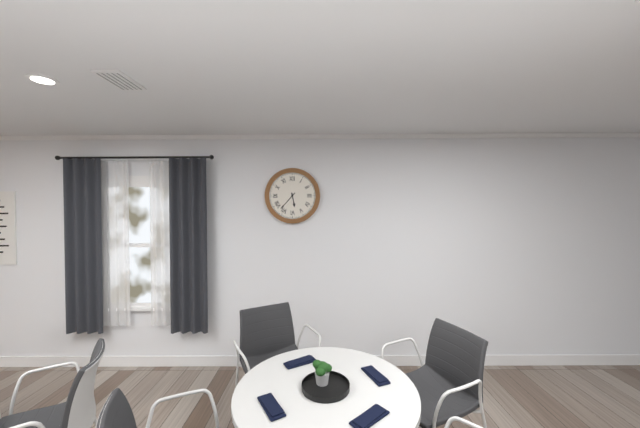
5.37
